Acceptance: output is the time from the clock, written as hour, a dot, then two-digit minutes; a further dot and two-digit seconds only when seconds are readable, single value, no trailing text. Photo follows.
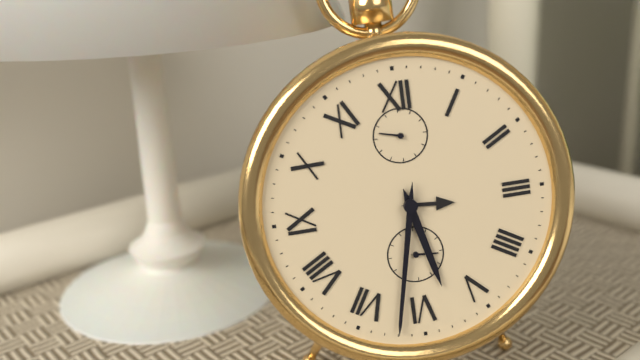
5.32
